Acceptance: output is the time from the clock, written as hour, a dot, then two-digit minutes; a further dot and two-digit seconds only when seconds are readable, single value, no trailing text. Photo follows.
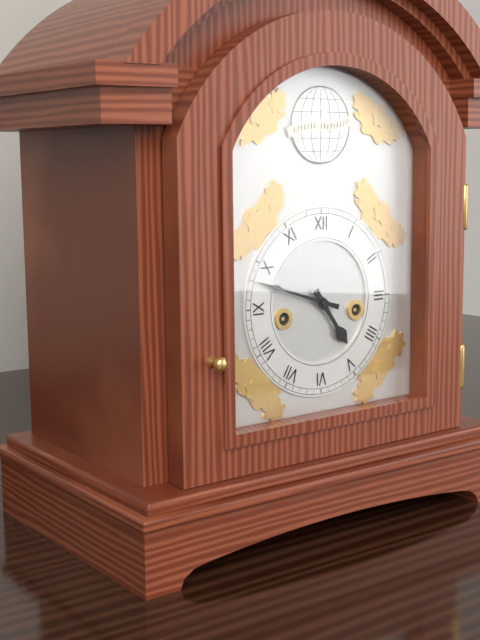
4.48
